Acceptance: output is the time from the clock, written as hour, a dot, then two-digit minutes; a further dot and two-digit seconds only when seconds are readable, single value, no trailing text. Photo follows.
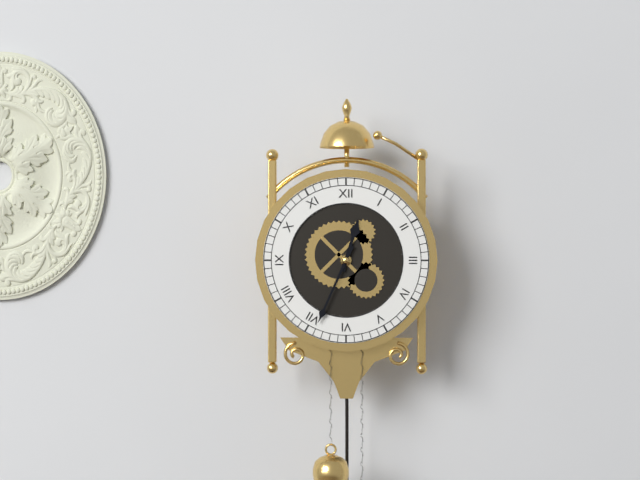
12.34
